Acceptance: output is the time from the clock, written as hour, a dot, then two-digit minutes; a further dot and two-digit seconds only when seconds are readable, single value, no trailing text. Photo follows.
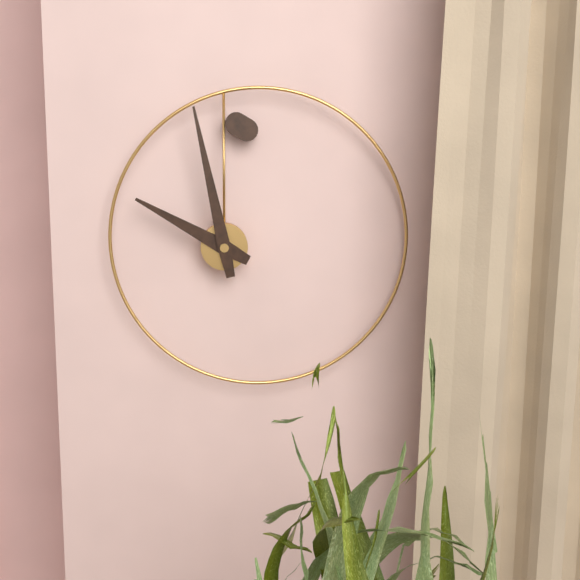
9.58
